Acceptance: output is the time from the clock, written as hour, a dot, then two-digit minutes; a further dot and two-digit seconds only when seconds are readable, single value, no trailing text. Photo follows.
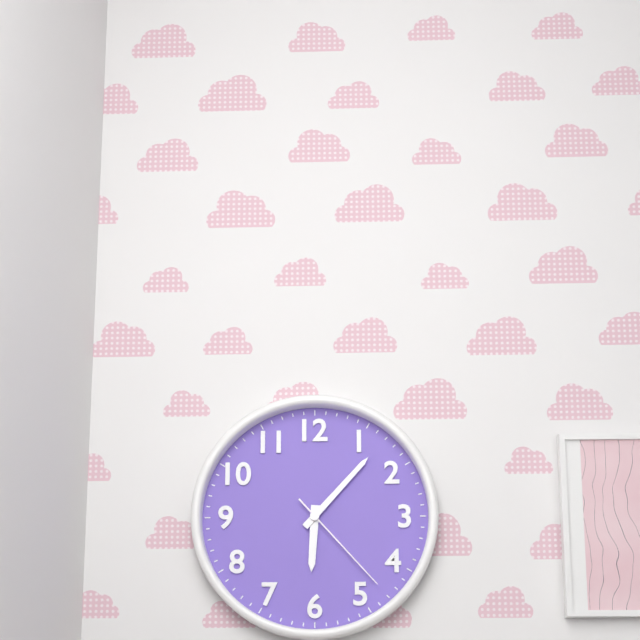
6.07.23
